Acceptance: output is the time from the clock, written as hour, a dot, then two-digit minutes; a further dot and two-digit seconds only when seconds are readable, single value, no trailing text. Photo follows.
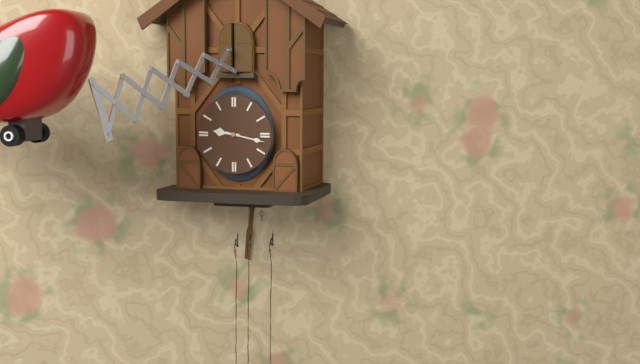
9.17
